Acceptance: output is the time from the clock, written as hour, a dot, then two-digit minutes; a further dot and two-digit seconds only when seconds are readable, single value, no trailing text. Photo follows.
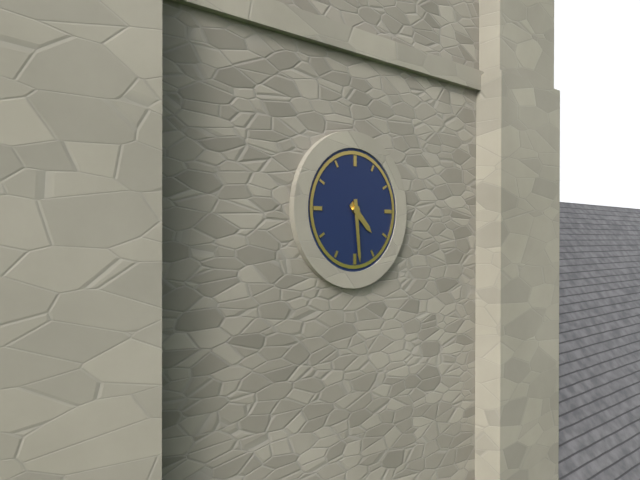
4.29
